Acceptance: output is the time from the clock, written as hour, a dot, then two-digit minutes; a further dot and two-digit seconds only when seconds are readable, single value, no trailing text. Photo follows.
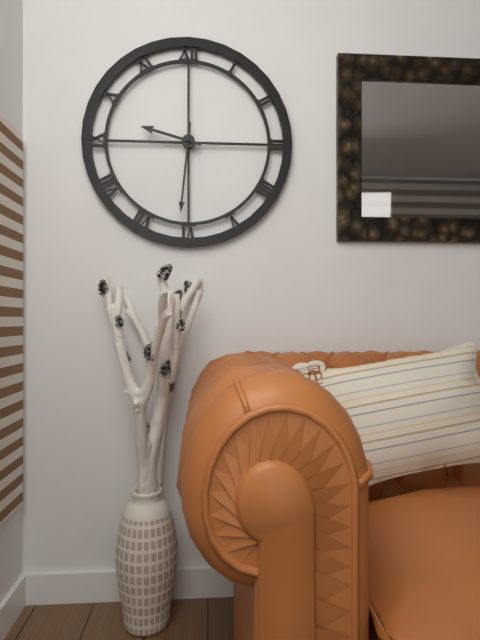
9.31
